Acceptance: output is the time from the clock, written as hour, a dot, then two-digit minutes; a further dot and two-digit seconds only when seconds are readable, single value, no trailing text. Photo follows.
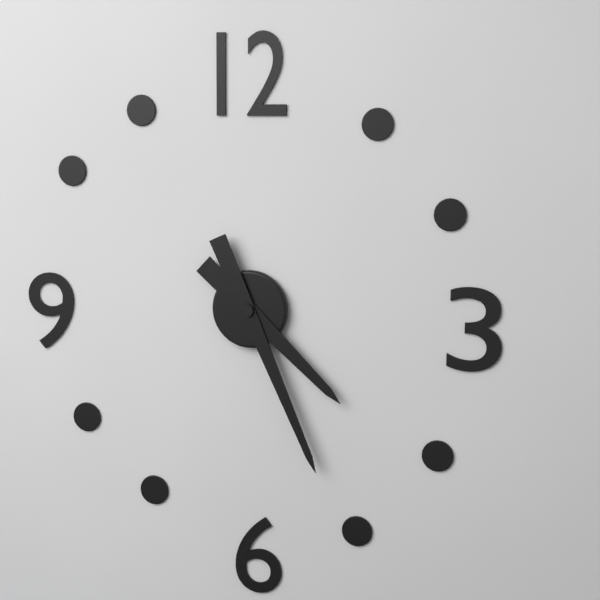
4.26
